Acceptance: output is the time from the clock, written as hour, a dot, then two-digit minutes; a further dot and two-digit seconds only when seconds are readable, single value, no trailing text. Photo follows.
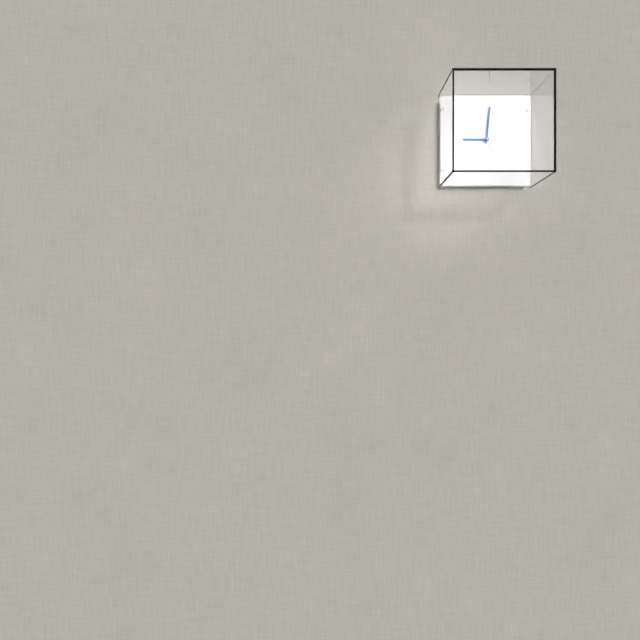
9.01
